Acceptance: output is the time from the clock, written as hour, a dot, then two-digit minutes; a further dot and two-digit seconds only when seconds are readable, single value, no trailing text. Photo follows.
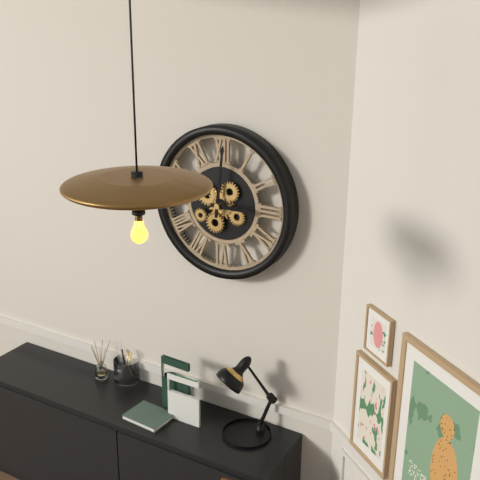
3.01
